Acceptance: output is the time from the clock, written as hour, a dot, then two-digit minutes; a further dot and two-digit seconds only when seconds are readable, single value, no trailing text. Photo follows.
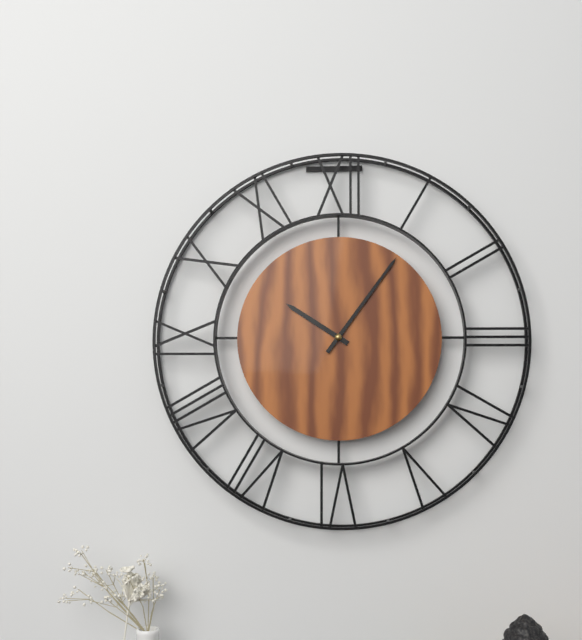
10.06
